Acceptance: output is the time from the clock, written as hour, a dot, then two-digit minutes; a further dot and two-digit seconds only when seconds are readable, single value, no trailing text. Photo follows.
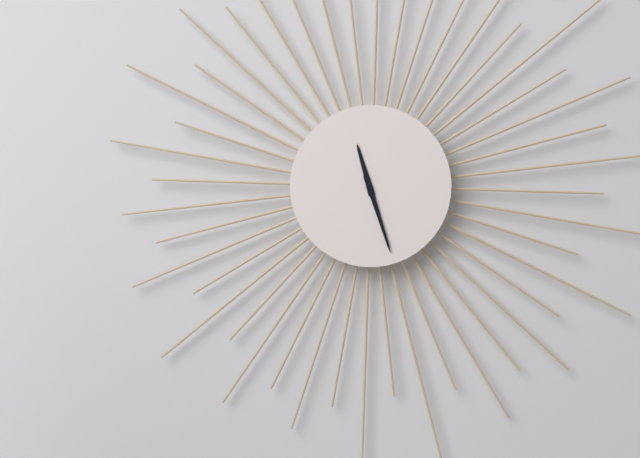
11.27
